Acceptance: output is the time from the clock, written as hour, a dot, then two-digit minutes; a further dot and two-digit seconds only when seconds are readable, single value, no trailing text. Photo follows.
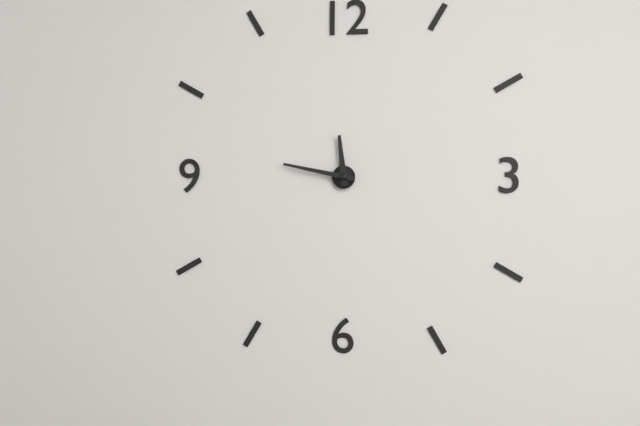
11.47
